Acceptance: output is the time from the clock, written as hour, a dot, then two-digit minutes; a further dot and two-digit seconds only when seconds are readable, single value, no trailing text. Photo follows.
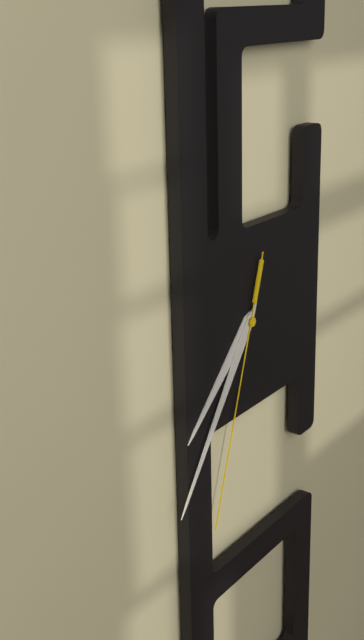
7.36.33
